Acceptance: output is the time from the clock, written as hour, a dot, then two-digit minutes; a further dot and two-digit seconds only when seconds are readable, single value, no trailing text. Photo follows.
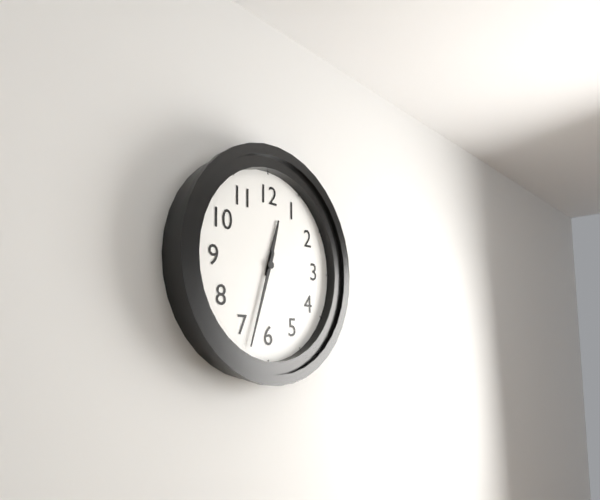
12.33
